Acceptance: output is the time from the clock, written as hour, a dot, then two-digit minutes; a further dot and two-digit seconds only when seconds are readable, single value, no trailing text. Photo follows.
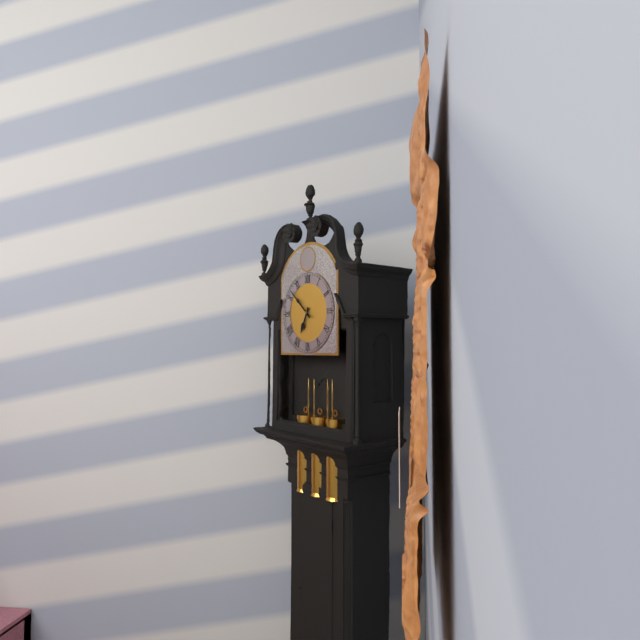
6.52
